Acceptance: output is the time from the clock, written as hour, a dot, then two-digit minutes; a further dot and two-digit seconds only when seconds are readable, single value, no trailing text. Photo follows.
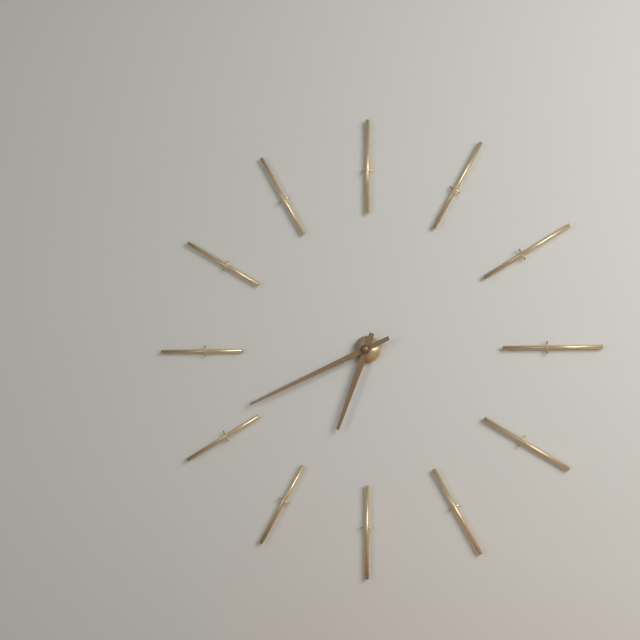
6.41
